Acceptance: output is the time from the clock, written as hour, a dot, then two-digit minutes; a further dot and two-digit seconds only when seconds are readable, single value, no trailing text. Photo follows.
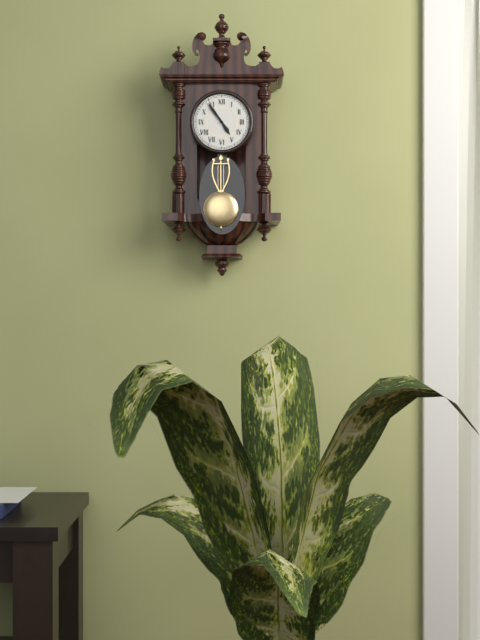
4.54
